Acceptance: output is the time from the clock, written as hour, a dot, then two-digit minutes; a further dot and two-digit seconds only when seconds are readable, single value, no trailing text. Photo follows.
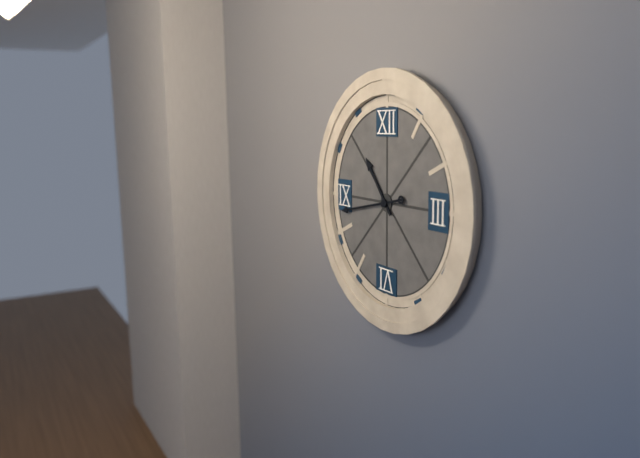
10.43
